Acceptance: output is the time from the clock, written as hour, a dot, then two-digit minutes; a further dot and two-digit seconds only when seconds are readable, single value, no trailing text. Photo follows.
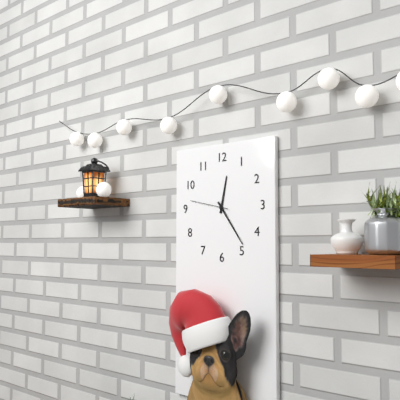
12.24
